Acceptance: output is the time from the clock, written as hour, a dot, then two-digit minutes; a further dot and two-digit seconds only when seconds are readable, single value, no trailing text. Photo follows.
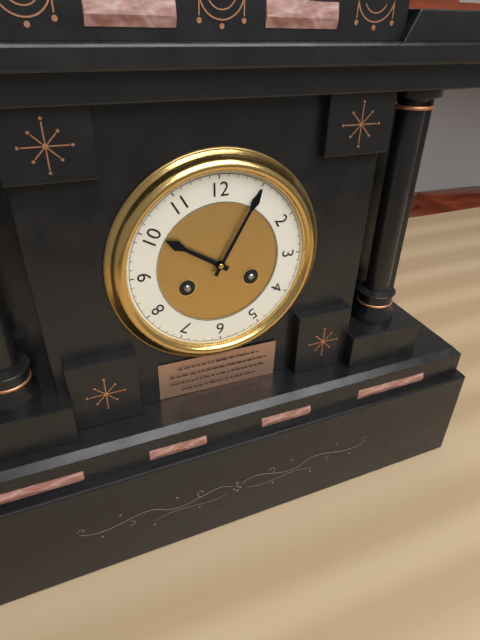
10.05
